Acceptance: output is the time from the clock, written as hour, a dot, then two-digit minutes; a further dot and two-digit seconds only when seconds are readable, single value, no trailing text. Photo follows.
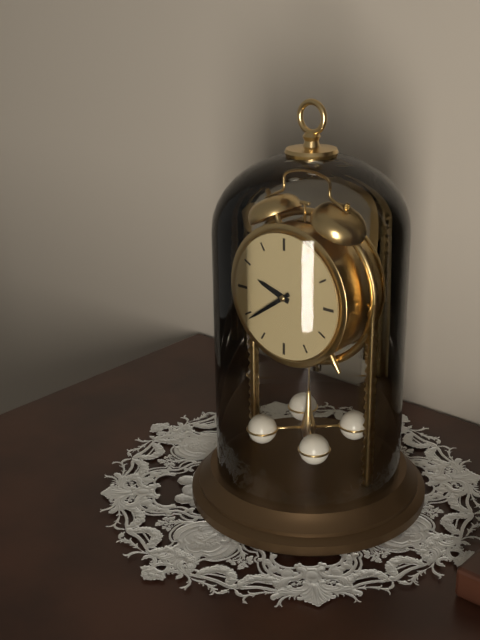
9.39
